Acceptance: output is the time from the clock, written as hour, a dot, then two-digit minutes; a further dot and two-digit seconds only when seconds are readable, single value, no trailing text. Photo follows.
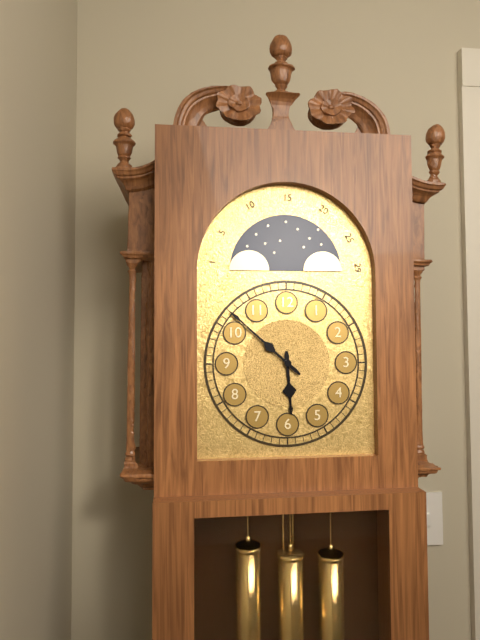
5.52
